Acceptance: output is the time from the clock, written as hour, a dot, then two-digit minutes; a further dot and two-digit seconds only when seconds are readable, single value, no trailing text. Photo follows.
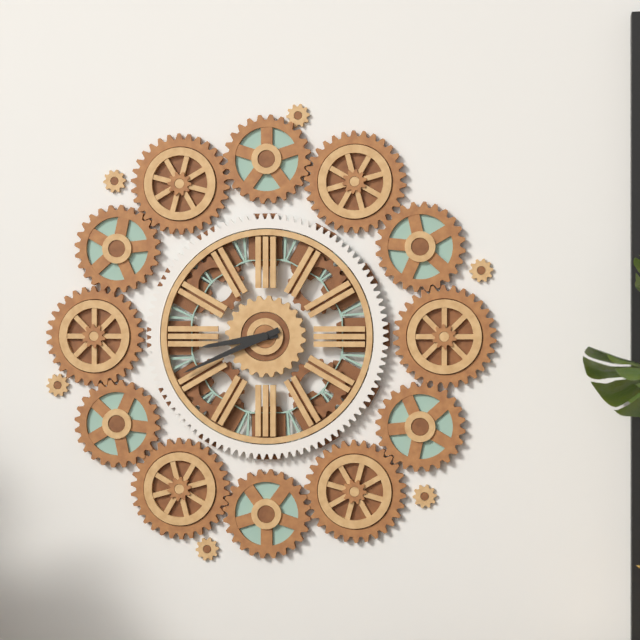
8.41
